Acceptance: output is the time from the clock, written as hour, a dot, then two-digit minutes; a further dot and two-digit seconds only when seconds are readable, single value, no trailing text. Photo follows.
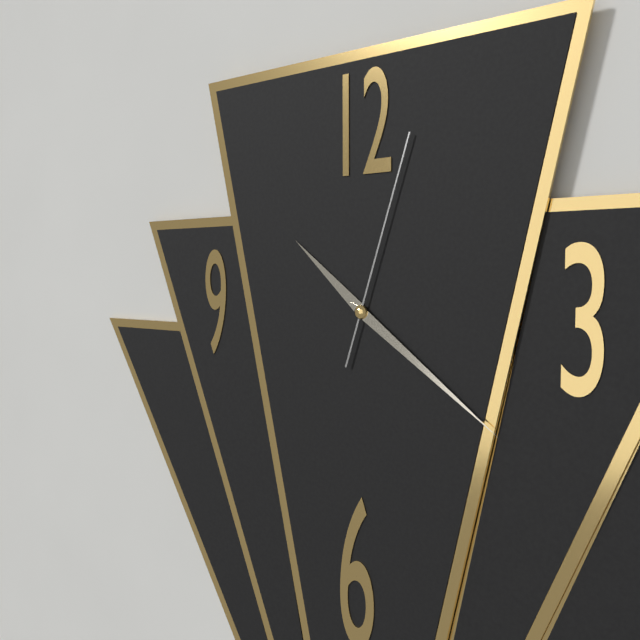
10.21.03
